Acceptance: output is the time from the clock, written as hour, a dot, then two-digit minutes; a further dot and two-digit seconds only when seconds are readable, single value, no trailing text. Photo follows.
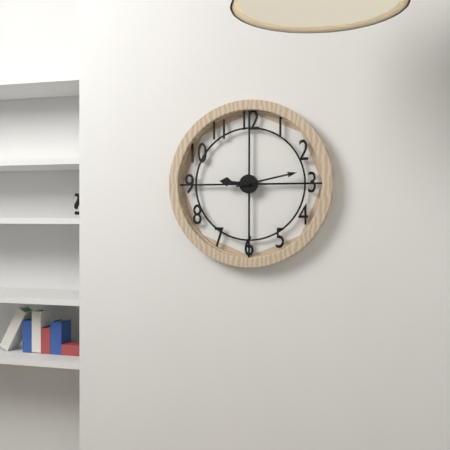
9.13
